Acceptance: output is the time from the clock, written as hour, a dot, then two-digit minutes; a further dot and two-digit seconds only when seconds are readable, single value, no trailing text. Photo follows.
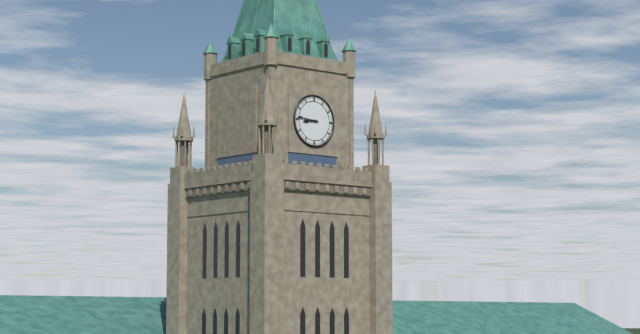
8.46
